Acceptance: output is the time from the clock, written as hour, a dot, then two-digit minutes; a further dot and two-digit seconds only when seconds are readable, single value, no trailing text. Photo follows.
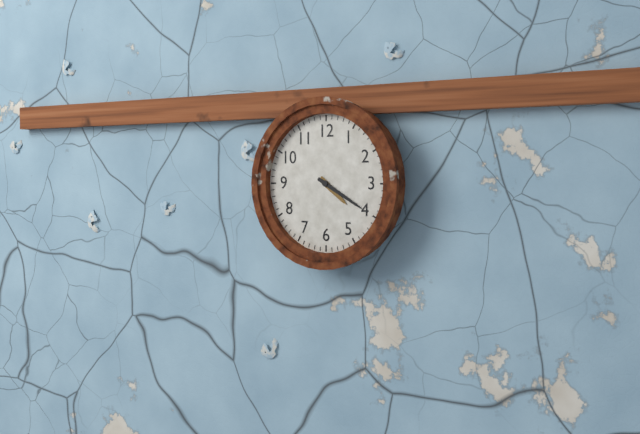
4.20
